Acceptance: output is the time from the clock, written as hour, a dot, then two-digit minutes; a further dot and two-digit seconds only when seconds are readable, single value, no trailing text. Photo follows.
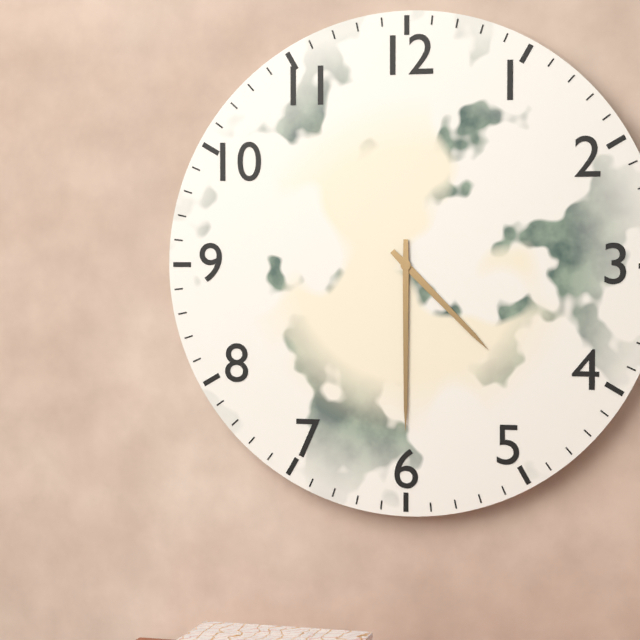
4.30
